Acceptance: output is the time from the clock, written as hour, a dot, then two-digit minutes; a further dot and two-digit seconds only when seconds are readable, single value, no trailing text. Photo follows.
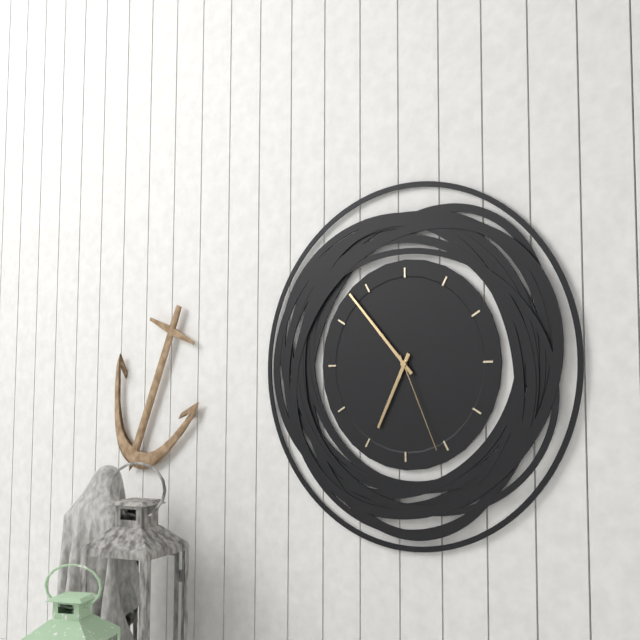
6.53.26
